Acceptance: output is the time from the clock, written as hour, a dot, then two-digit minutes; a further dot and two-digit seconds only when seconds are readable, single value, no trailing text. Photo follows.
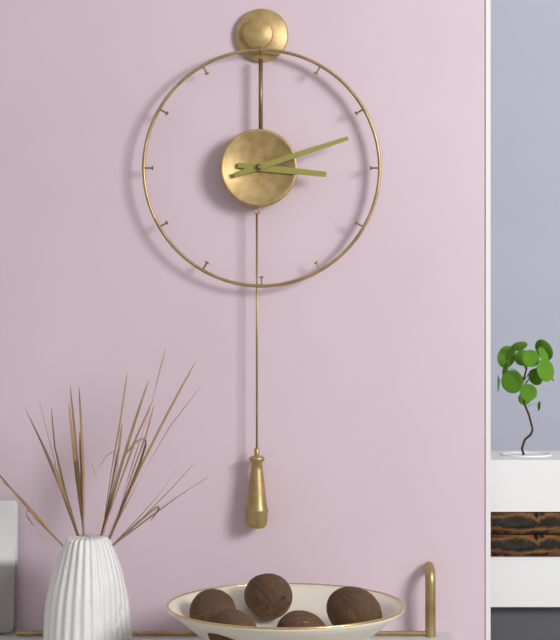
3.12
